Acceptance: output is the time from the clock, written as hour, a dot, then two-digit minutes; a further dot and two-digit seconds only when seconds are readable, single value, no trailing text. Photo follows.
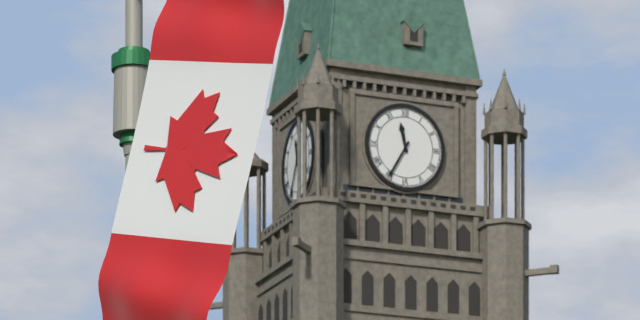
11.35
